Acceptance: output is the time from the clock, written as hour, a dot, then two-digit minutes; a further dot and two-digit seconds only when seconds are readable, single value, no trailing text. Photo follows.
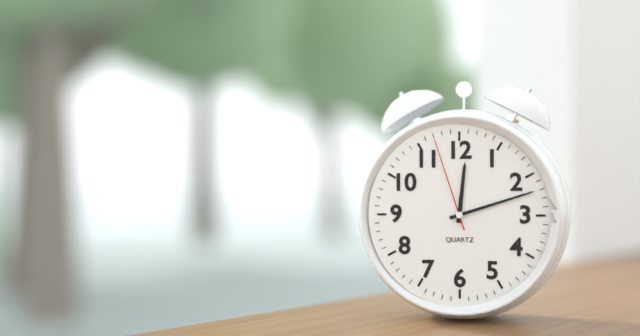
12.12.57
